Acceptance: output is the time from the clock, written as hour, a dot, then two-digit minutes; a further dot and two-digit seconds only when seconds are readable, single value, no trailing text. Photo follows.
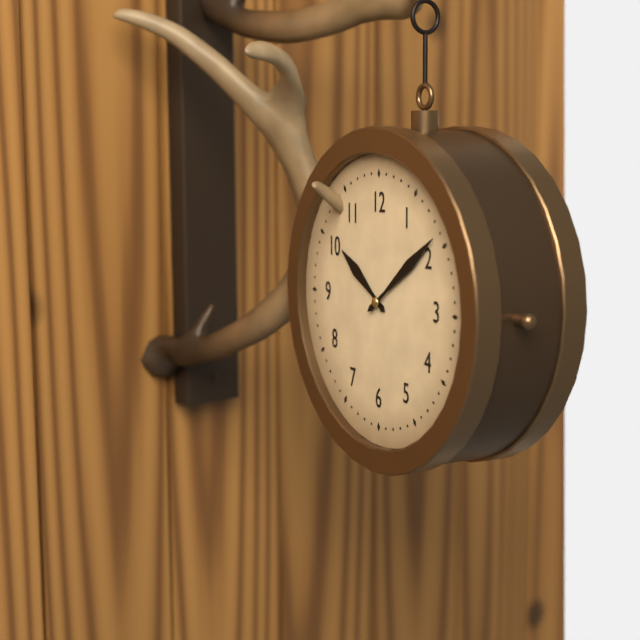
10.09
